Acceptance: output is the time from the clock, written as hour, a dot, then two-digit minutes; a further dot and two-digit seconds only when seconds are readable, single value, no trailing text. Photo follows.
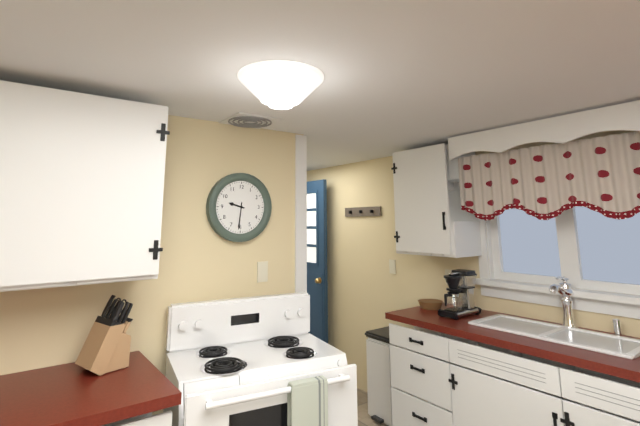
9.31
